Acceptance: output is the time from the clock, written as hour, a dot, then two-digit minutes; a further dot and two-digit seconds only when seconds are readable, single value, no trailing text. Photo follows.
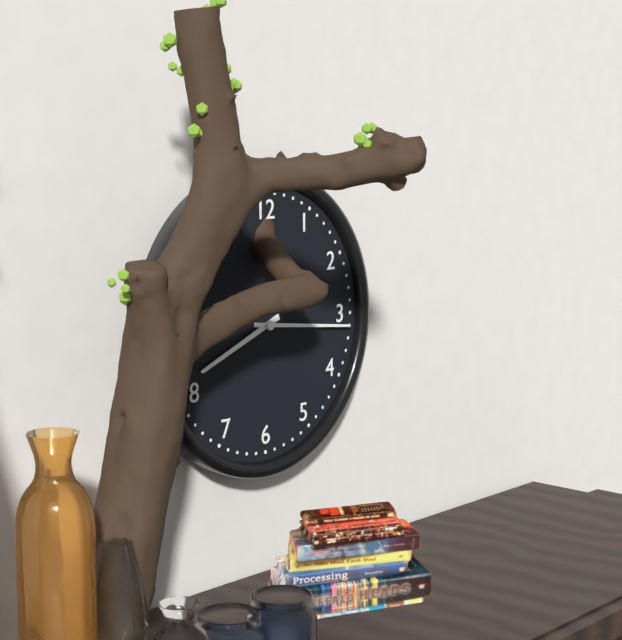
8.16
